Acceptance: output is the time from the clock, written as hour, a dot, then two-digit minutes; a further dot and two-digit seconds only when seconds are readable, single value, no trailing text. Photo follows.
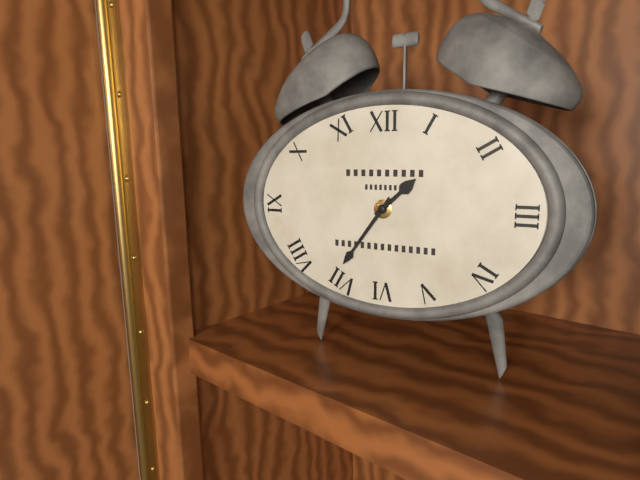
1.36
